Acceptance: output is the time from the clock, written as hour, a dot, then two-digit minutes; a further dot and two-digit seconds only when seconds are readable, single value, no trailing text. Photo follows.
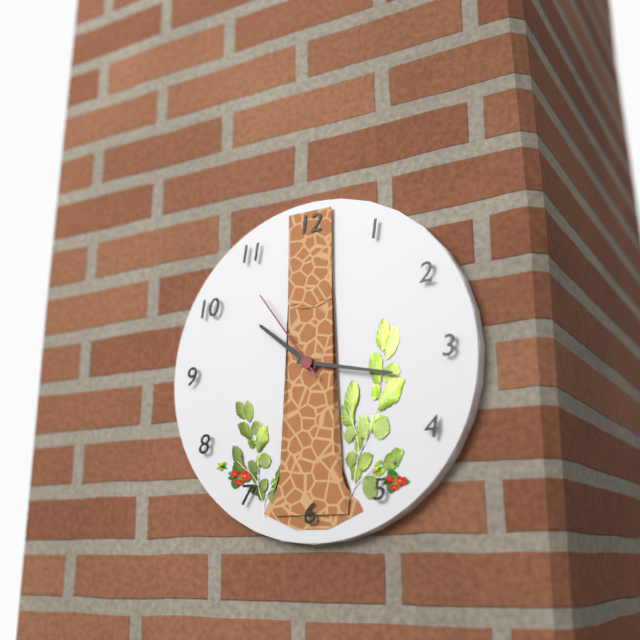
10.17.54
